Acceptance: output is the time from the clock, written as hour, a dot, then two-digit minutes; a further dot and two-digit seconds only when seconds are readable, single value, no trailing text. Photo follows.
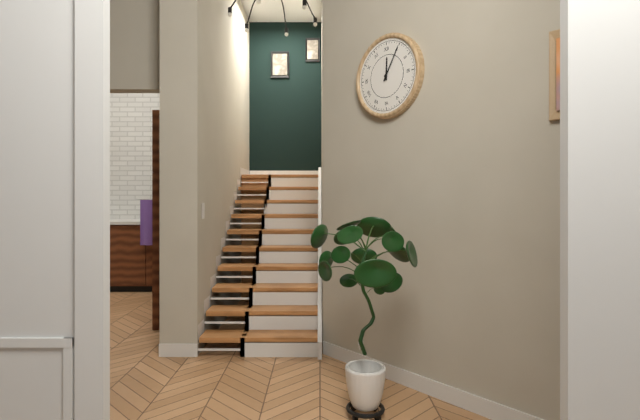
12.05
